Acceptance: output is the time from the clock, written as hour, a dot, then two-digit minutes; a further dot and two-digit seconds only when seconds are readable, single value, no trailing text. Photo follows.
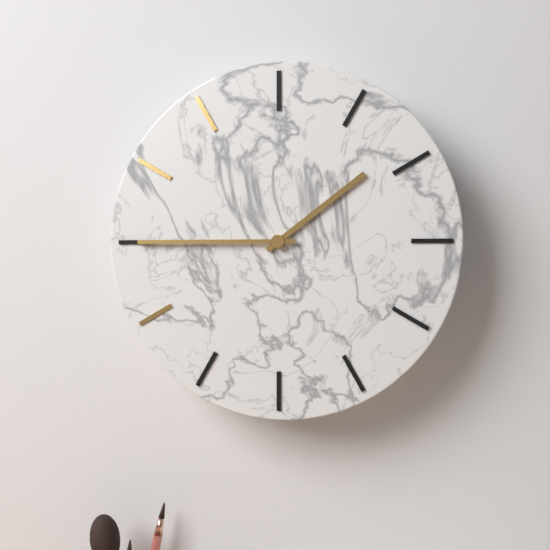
1.45
